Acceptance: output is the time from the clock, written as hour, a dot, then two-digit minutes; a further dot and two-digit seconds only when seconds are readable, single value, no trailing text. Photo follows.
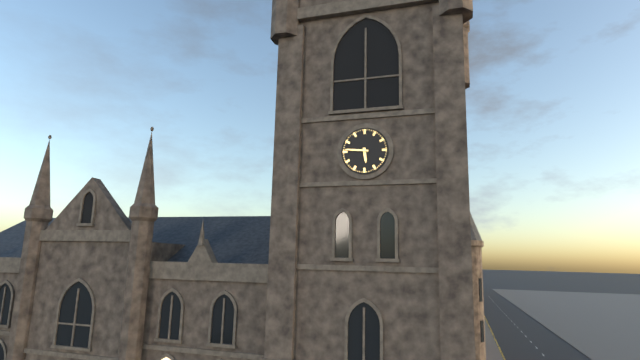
5.46
